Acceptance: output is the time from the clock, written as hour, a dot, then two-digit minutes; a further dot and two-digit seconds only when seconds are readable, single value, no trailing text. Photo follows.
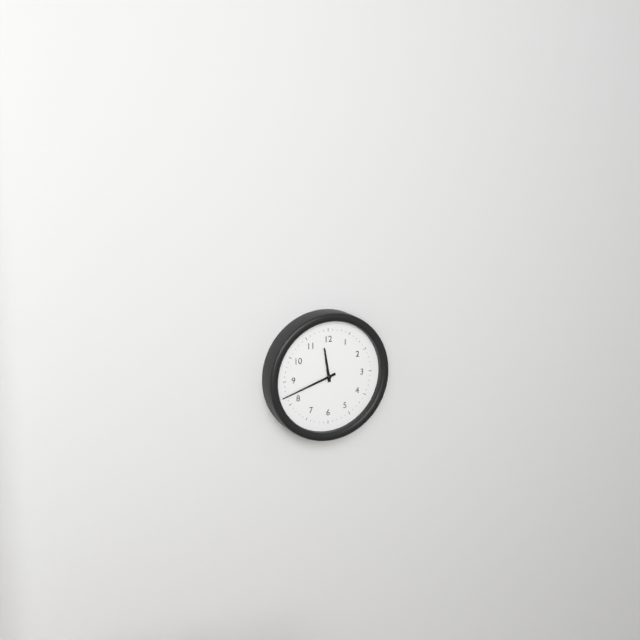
11.42
